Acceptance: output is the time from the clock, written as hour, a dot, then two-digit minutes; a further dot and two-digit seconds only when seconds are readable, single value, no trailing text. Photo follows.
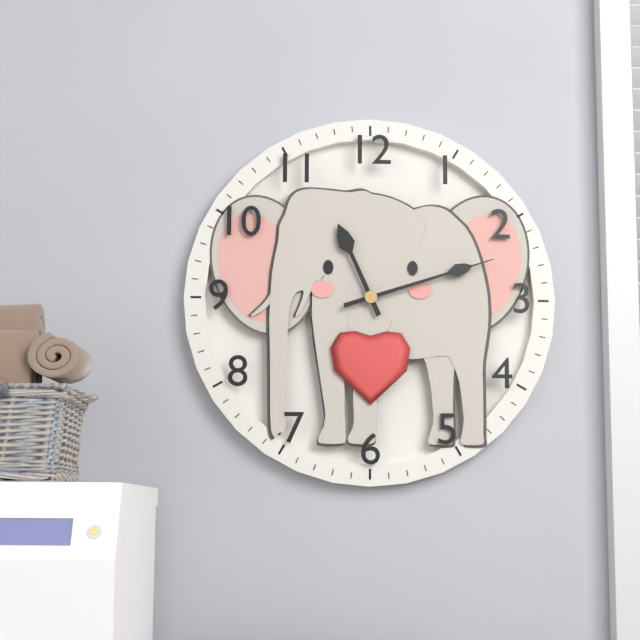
11.12
